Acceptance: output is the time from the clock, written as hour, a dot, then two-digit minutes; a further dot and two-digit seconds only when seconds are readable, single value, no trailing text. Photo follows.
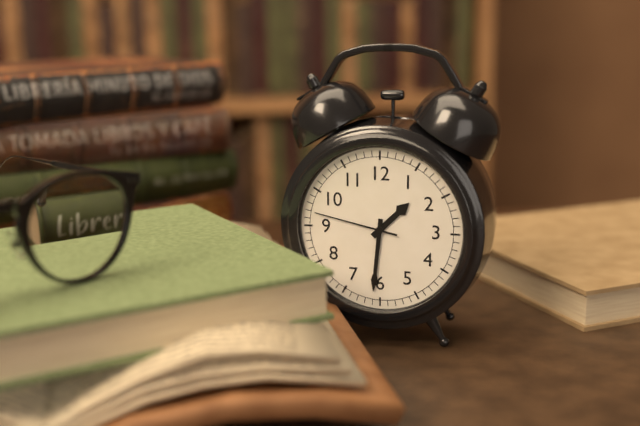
1.31.47
